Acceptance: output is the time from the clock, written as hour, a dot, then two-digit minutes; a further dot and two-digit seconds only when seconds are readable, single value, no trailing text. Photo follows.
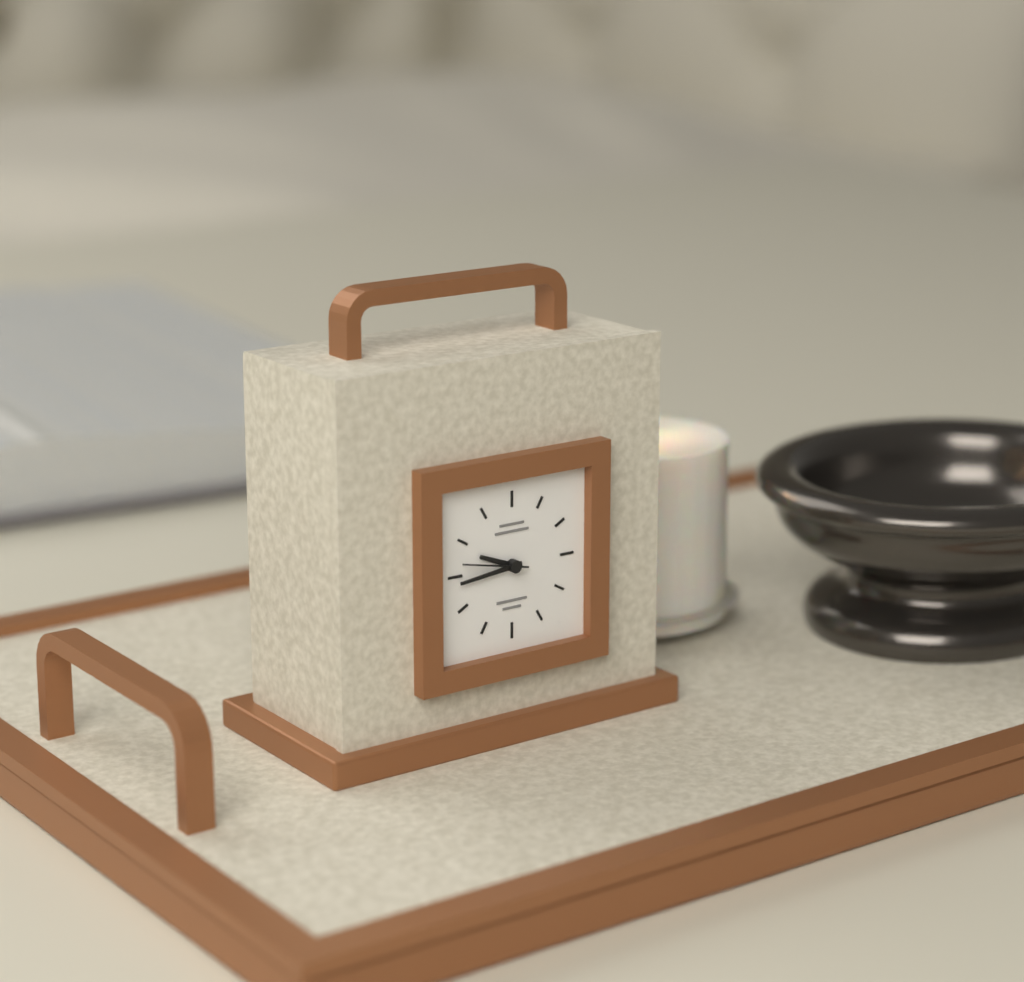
9.44.47
